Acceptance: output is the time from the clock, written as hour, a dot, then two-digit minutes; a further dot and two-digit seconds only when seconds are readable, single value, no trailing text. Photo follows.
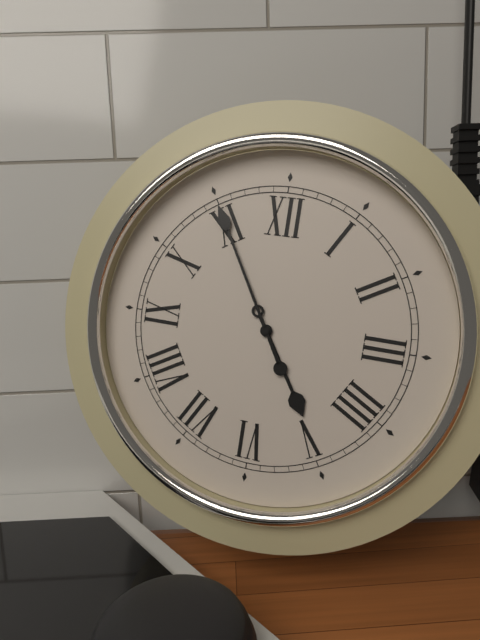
4.55
